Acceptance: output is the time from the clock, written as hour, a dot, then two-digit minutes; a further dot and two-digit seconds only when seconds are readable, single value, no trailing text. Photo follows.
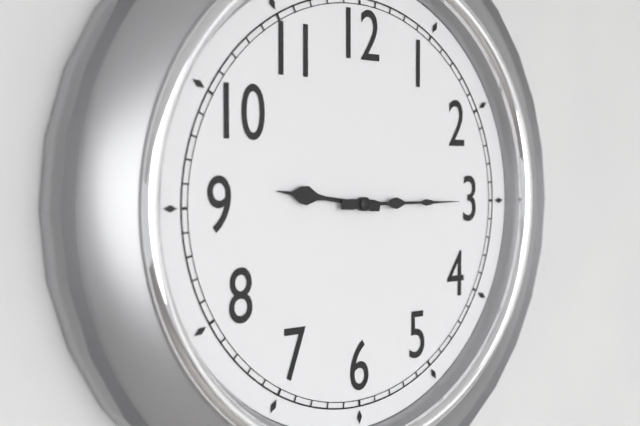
9.15
